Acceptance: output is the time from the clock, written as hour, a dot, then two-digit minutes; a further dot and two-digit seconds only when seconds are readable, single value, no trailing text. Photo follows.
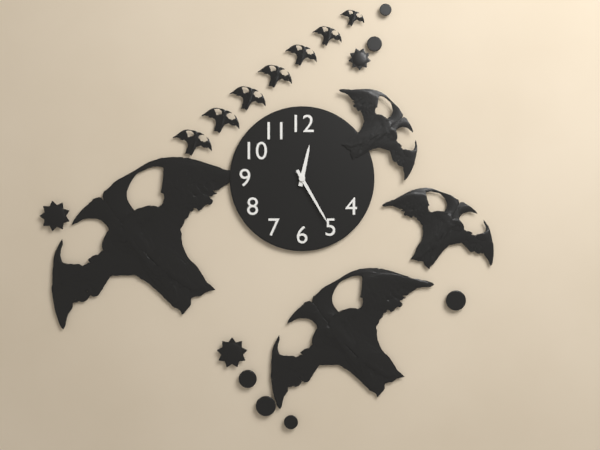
12.25
